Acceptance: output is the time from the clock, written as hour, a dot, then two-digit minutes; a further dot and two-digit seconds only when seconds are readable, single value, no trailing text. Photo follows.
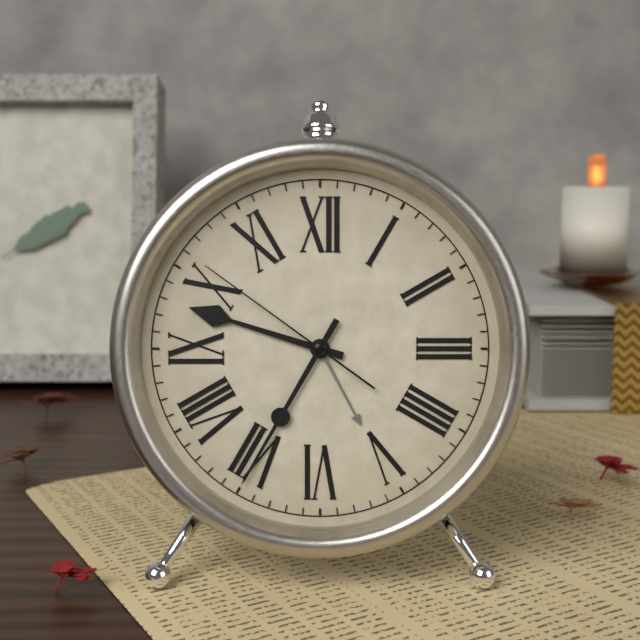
9.35.51
